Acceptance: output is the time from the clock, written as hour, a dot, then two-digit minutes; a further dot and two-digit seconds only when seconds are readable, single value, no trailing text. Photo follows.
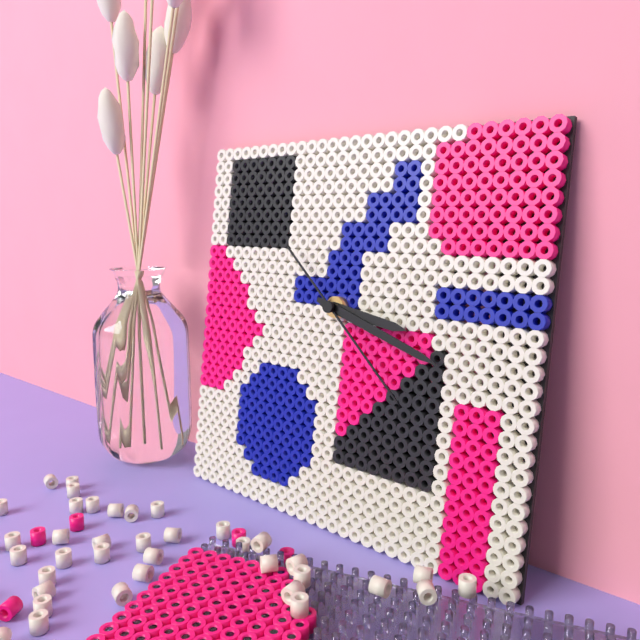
3.18.22
